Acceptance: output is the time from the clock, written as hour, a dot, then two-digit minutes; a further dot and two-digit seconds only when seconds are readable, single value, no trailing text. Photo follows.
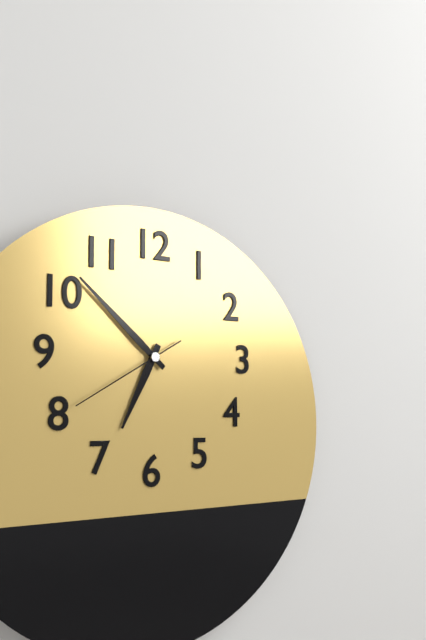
6.52.40
